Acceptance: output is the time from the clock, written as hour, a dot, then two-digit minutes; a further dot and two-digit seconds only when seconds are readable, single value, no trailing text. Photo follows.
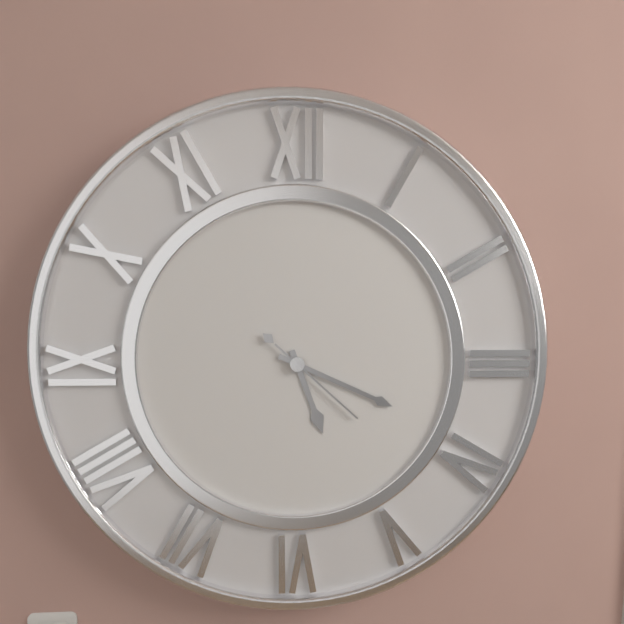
5.19.22
